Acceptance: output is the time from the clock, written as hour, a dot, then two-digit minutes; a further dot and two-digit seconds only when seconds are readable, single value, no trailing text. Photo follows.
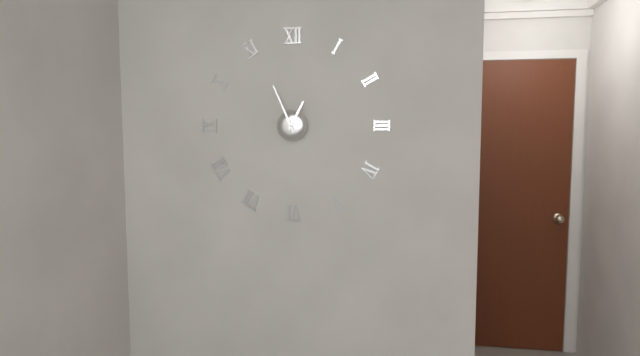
12.56
